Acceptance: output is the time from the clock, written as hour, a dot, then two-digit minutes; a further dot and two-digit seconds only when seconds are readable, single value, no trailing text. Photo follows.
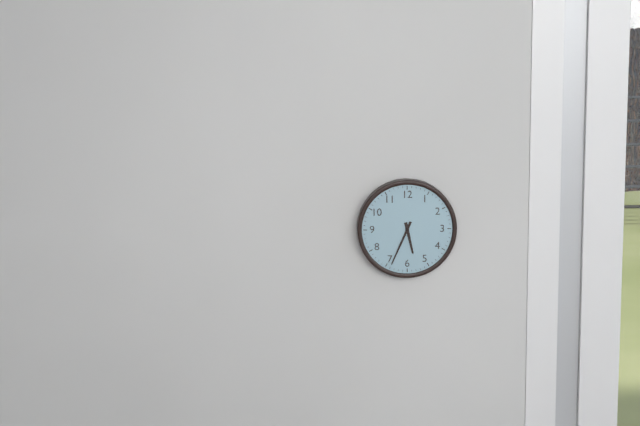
5.34
